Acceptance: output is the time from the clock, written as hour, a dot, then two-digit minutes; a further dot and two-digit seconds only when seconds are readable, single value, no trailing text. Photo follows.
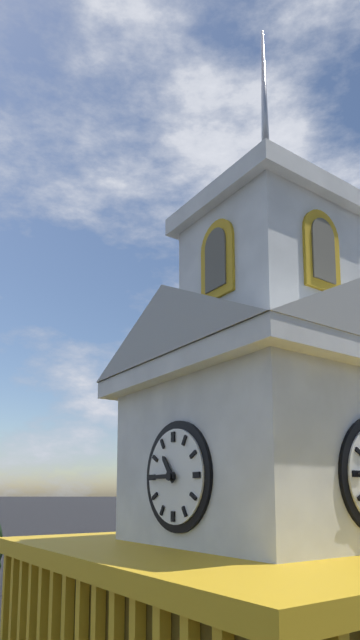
10.45
